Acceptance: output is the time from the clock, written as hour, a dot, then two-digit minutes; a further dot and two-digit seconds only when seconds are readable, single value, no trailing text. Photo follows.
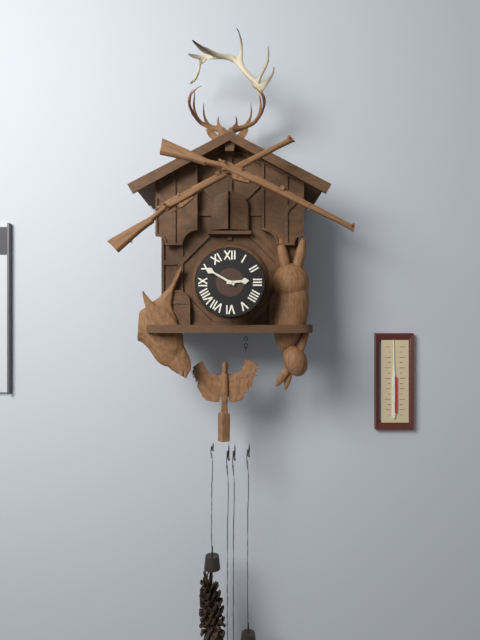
2.50
